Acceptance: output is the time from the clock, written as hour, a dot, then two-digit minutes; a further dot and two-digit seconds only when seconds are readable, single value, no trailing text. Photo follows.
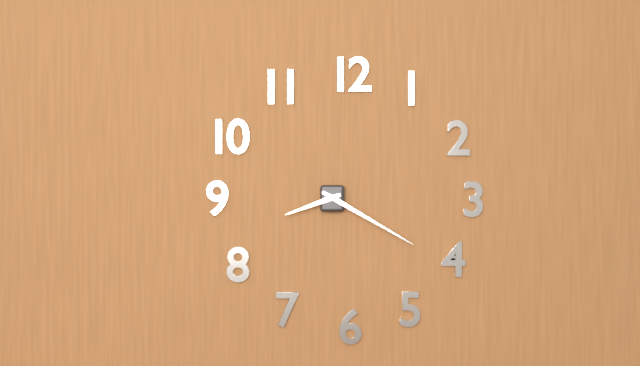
8.20
